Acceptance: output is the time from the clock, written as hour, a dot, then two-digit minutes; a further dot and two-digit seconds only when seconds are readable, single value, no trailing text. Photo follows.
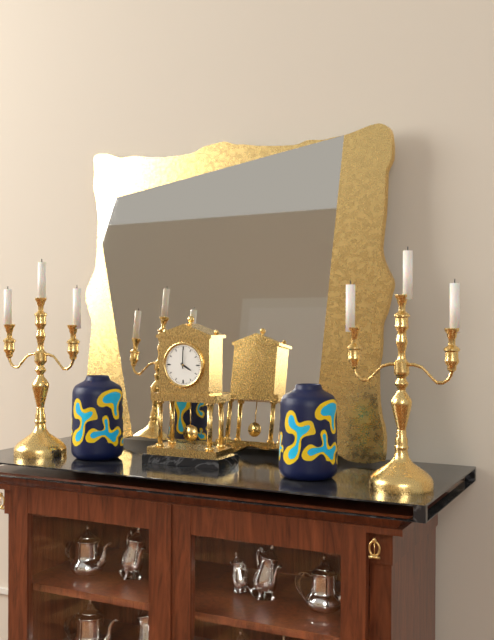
4.00
